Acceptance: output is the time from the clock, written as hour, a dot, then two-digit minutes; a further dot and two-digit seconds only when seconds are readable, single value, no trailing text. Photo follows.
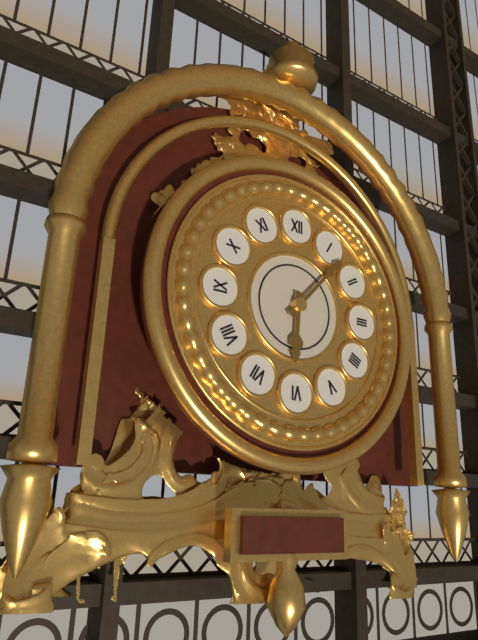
6.07
